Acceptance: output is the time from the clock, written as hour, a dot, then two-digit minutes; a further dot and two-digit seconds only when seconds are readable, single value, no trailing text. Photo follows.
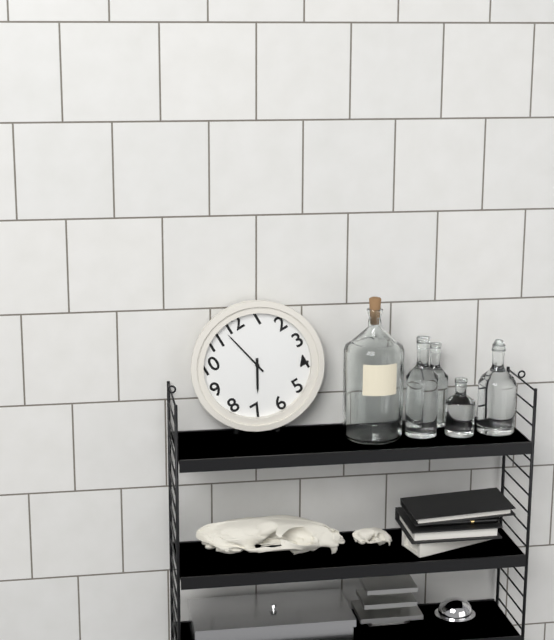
6.58
